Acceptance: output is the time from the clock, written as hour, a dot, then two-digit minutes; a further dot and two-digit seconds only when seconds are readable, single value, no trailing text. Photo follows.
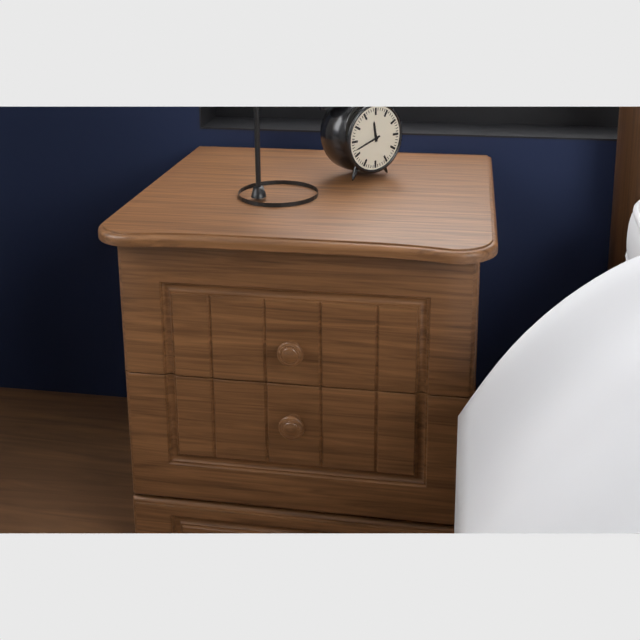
11.42
